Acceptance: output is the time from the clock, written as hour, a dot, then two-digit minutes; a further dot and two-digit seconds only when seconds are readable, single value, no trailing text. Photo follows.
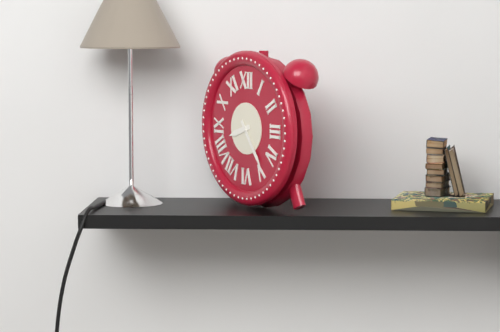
8.24
